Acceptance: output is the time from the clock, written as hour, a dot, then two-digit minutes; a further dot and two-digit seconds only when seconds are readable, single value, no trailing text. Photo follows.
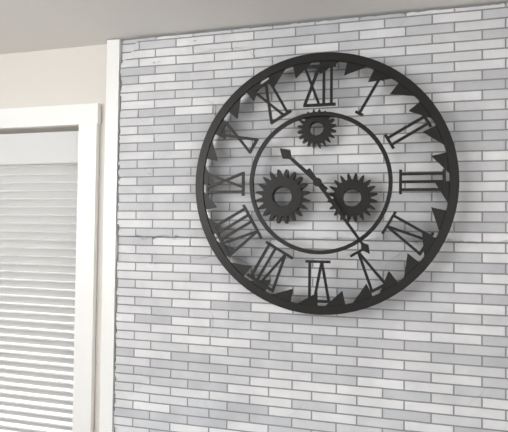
10.24
